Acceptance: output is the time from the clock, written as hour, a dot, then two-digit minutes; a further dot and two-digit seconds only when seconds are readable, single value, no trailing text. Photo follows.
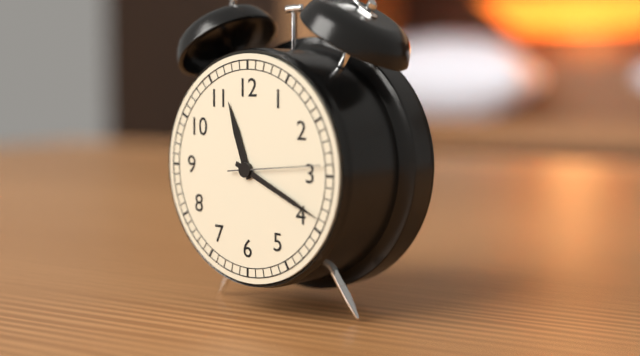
11.19.14
